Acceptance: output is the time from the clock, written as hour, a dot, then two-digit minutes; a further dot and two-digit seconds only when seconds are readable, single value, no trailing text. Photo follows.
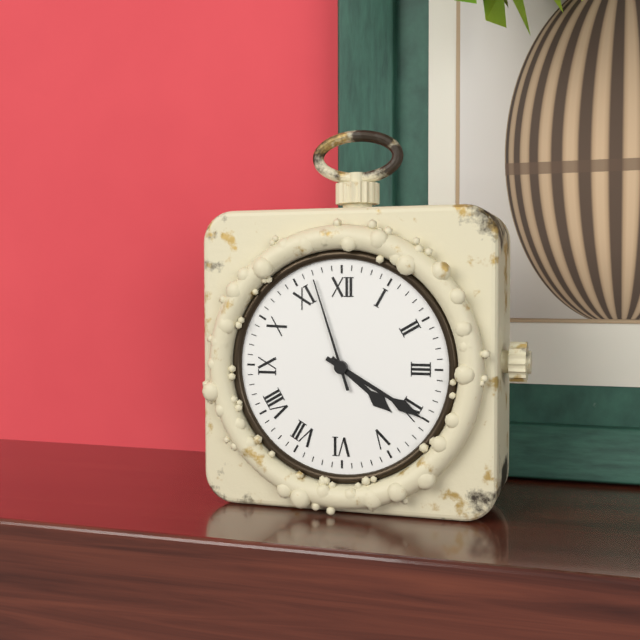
4.20.57
